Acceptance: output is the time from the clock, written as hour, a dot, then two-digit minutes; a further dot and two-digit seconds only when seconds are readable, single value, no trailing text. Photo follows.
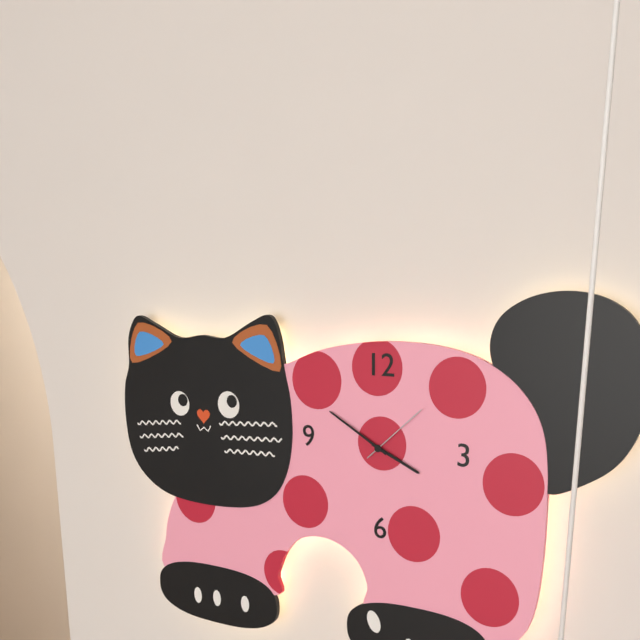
3.50.08
